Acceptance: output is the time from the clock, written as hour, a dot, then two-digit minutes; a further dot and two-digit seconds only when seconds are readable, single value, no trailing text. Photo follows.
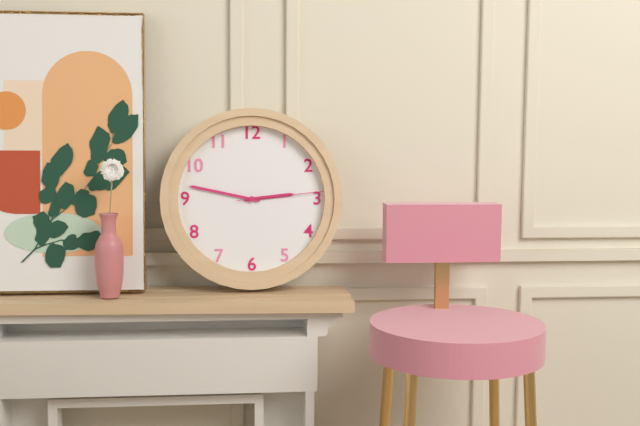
2.47.14
